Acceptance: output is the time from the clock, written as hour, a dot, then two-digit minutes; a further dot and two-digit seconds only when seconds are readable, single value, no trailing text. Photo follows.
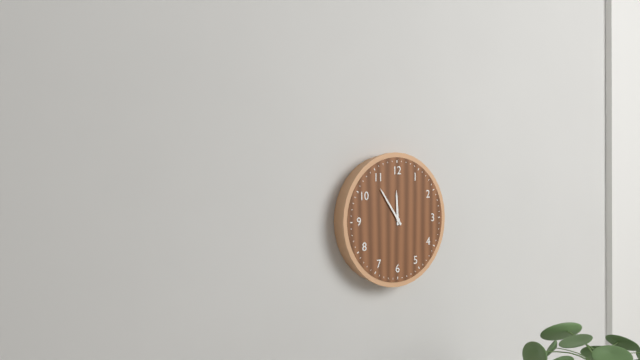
11.54
